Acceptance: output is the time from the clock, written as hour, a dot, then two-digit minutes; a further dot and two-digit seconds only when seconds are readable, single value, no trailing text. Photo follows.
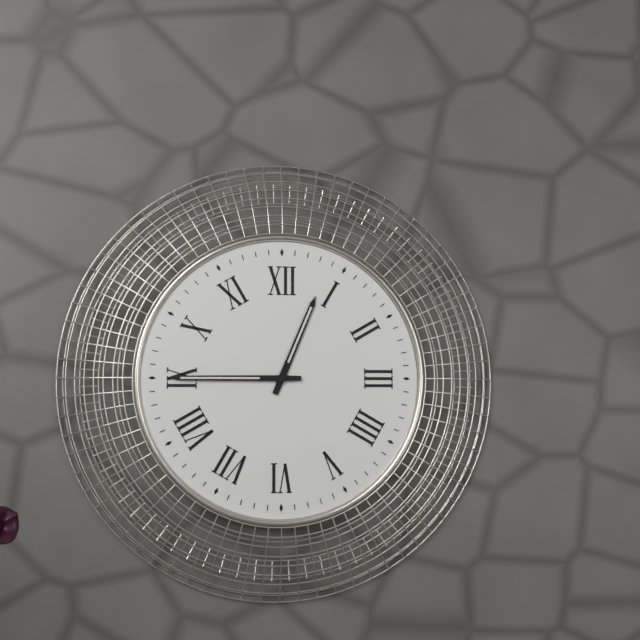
12.45
